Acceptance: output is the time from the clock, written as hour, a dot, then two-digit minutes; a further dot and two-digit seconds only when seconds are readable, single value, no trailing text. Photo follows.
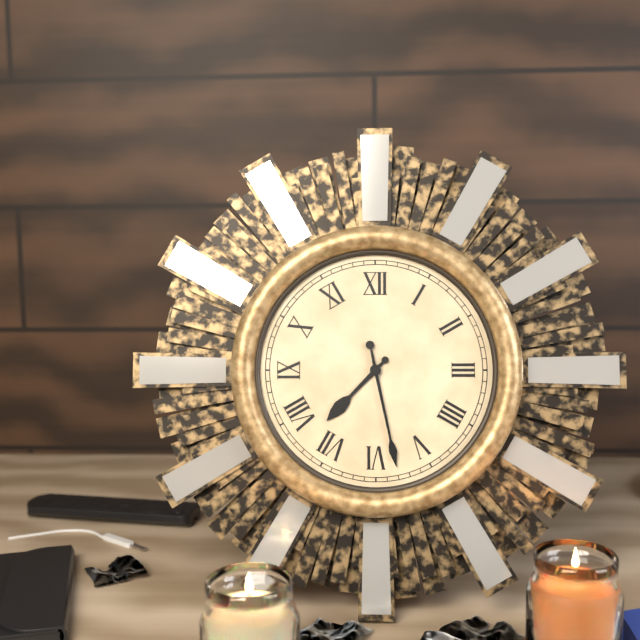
7.28
